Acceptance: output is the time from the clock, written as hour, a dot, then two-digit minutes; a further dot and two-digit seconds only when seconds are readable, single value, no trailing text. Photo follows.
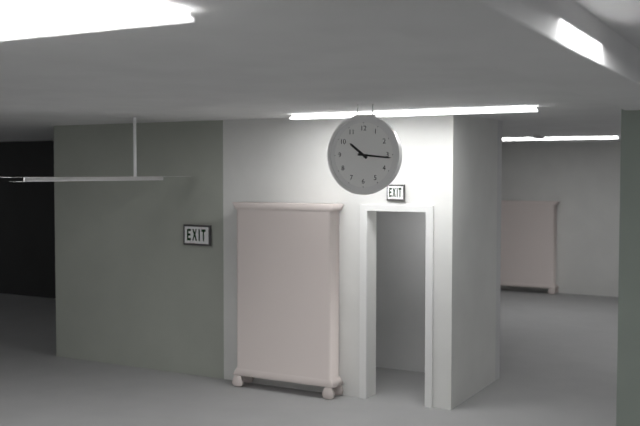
10.16
